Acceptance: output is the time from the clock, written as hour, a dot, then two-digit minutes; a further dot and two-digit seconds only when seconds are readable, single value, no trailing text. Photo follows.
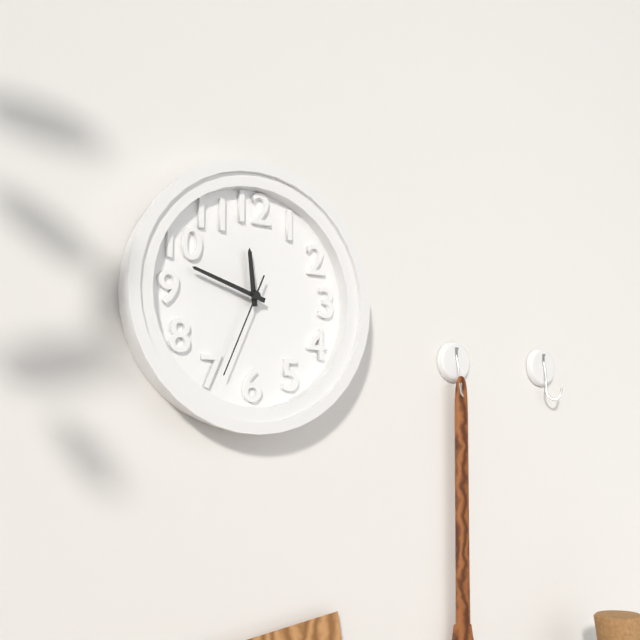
11.48.34
